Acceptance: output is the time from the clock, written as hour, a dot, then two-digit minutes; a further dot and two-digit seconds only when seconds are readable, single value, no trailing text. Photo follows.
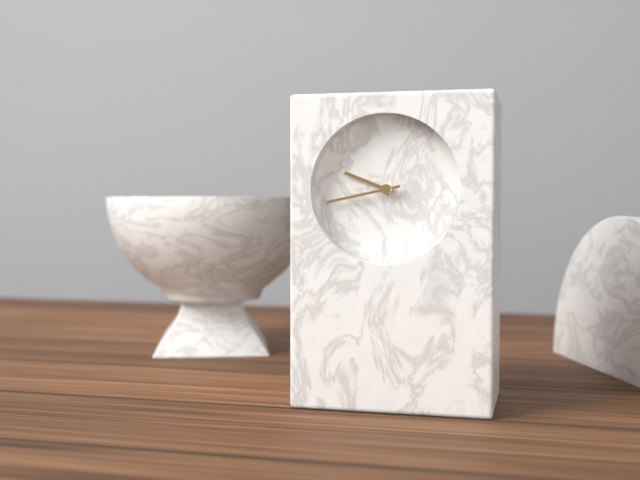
9.43
